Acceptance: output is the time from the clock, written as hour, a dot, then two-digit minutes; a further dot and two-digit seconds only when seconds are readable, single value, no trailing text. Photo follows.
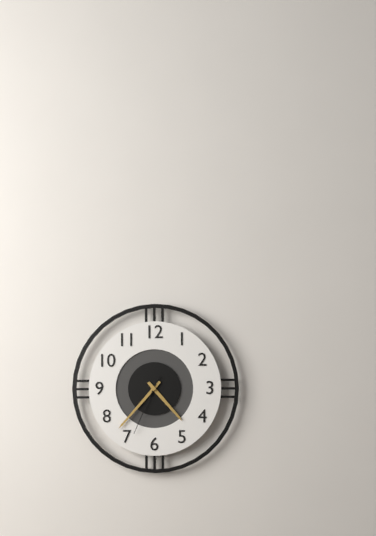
4.37.34
